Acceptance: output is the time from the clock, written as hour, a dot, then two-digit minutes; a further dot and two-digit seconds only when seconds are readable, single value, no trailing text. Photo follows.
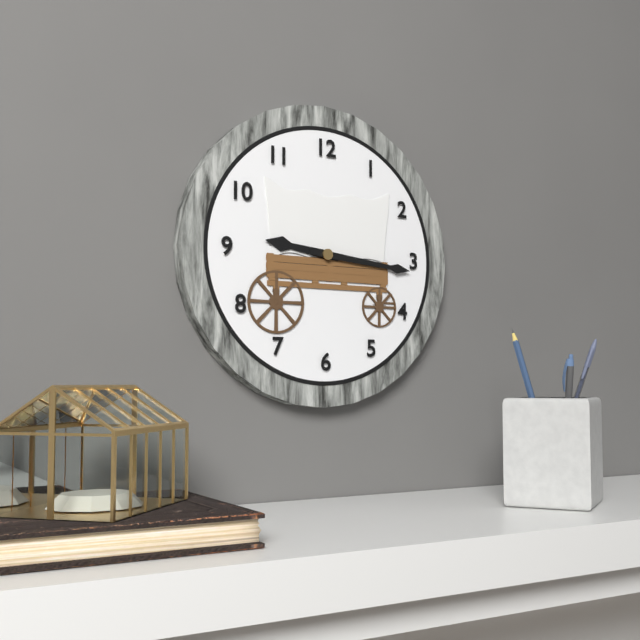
9.16
